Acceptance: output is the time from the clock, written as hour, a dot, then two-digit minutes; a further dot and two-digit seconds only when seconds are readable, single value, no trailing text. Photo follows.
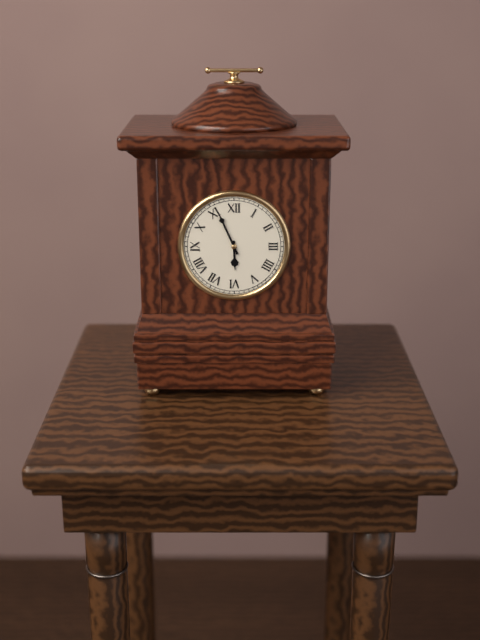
5.56
